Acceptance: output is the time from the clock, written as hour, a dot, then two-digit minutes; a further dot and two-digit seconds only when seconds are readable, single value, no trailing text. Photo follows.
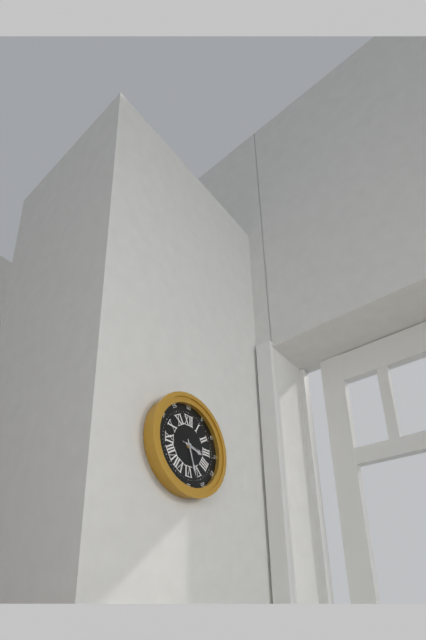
3.27
